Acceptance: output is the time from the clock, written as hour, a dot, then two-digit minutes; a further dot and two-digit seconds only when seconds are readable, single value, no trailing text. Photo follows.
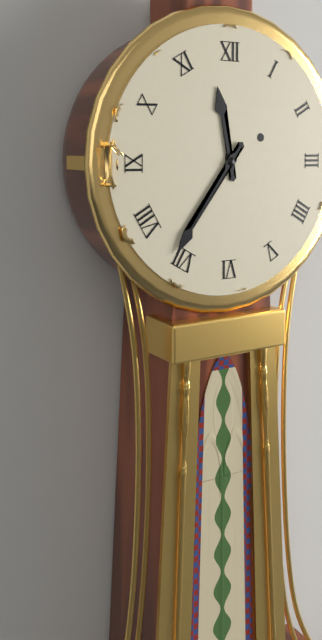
11.36
